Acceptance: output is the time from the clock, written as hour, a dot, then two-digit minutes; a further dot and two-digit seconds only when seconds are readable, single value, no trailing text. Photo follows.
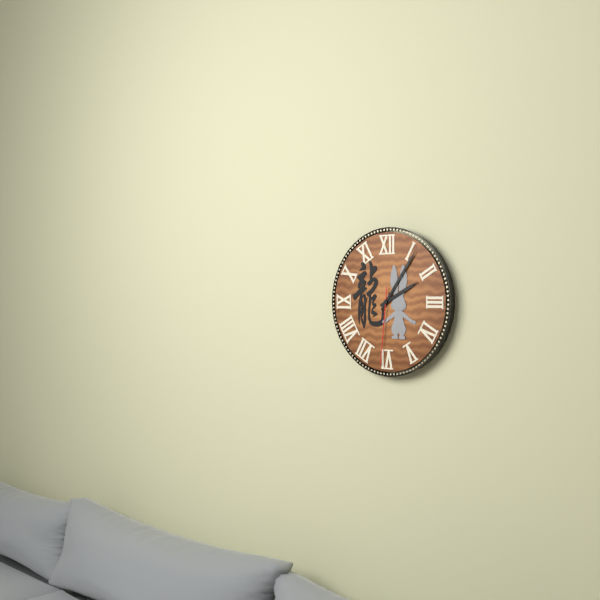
2.06.31
